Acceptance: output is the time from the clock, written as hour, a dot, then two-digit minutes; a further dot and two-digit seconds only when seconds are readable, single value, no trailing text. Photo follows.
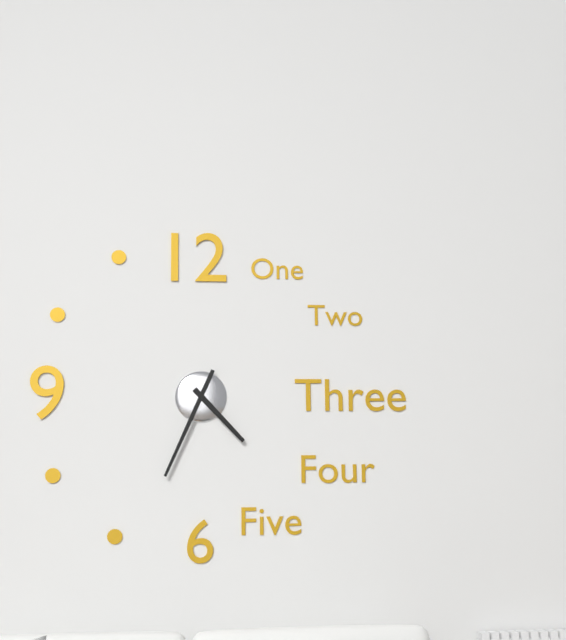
4.34
